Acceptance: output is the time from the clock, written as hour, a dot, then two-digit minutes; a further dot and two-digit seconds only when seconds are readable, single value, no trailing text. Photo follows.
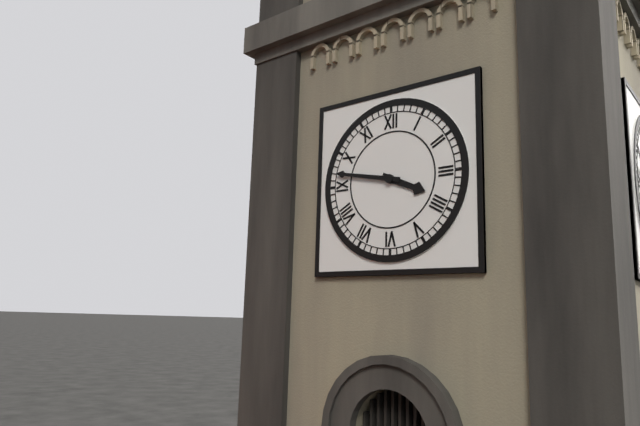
3.47
